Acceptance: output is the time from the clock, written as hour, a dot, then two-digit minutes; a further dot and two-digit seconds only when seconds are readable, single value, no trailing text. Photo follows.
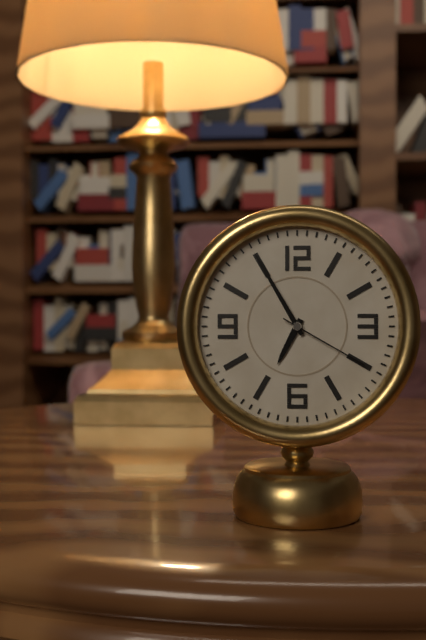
6.55.20
